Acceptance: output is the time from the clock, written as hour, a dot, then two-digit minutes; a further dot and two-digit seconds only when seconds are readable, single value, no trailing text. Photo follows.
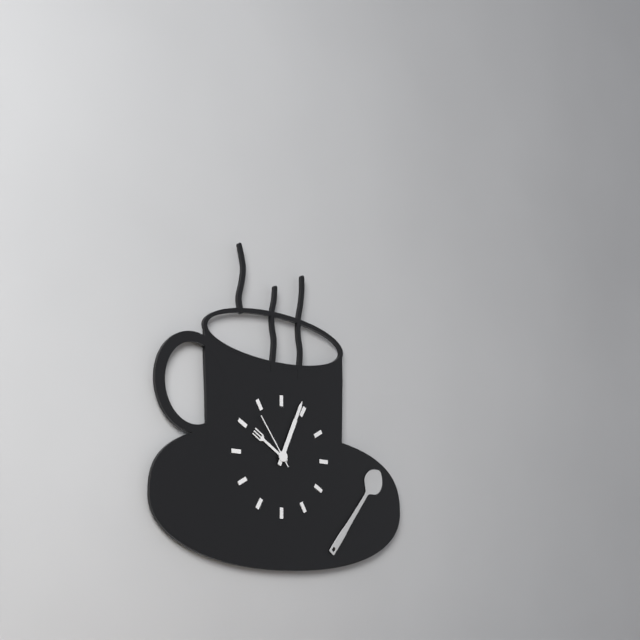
10.04.54
